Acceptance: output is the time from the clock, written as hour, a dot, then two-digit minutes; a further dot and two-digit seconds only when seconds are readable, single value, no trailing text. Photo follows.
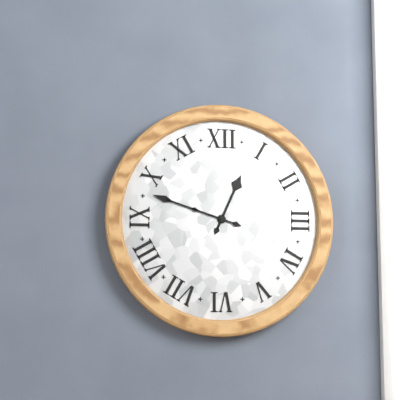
12.48
